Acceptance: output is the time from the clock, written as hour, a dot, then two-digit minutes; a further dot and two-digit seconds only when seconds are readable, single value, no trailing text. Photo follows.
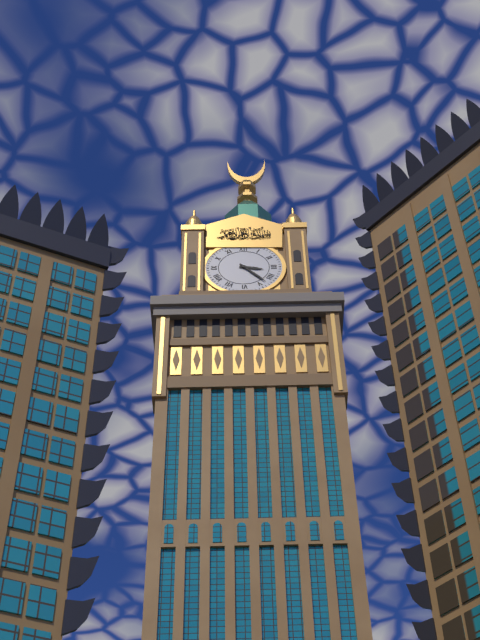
3.23
